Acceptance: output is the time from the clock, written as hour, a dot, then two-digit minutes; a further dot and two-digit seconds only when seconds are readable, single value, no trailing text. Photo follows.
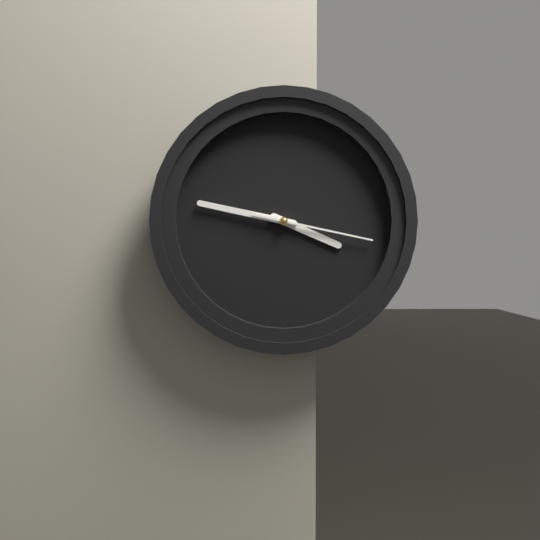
3.47.17
